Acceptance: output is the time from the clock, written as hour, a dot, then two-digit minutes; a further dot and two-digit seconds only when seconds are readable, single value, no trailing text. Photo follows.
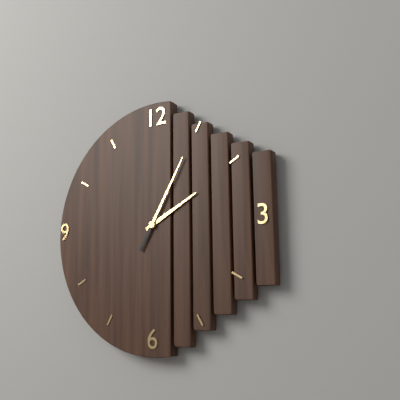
2.05
